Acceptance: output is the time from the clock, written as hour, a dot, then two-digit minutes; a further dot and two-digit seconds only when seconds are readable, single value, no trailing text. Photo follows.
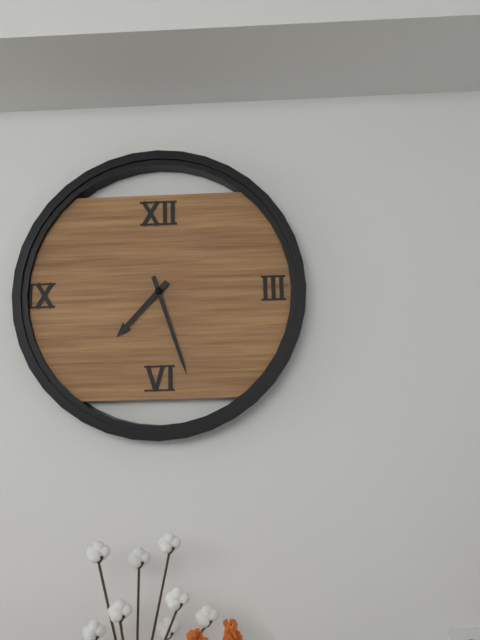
7.27
